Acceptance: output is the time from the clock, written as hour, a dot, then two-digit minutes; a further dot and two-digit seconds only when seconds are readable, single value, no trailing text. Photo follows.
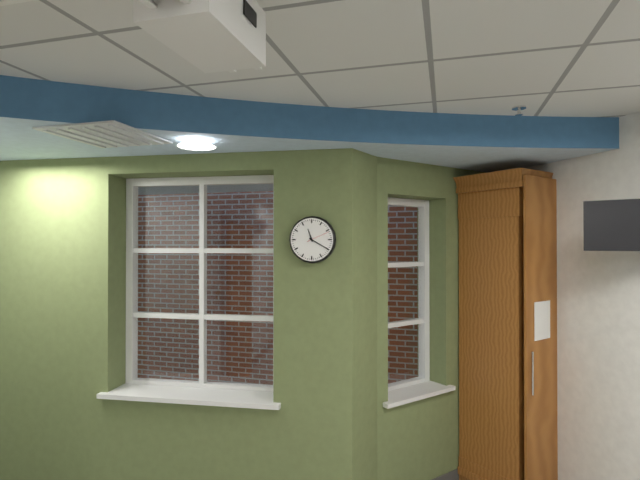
11.20
